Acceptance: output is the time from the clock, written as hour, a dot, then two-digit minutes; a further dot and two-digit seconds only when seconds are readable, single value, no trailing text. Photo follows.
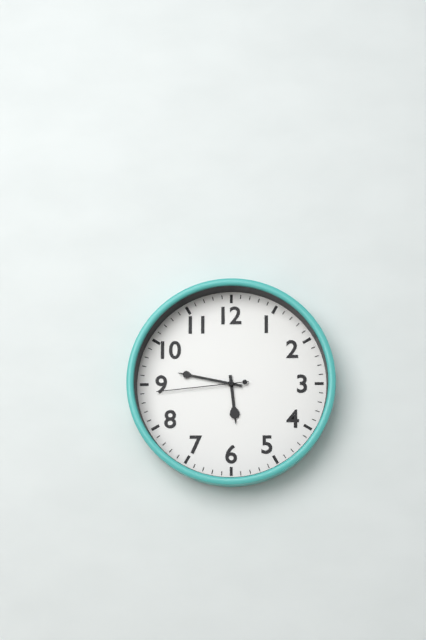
5.47.44
